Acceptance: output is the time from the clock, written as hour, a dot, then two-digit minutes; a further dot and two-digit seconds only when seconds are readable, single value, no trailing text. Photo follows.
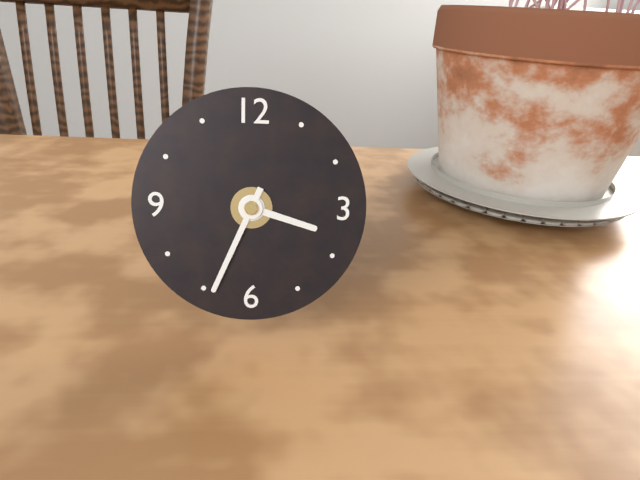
3.34
